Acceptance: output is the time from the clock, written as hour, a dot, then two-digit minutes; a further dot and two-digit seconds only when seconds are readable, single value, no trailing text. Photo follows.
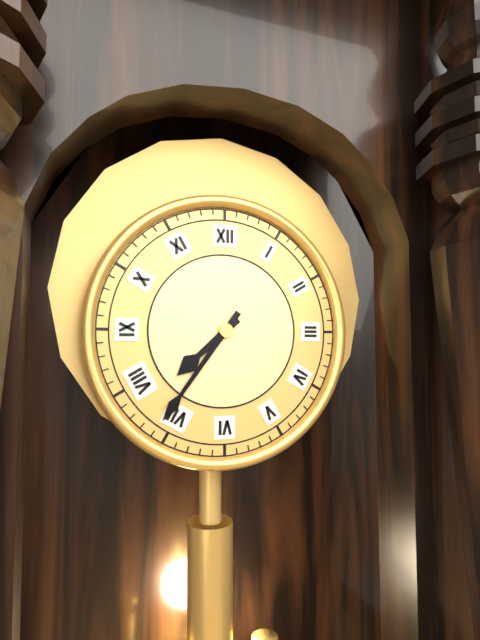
7.36
